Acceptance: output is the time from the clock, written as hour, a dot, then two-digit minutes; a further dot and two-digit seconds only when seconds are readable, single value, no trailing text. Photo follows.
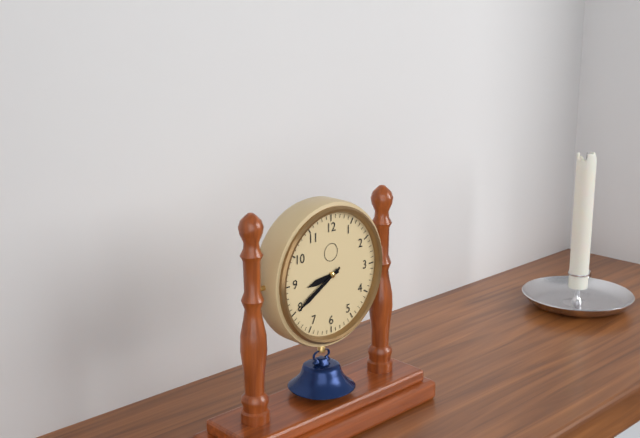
8.40
